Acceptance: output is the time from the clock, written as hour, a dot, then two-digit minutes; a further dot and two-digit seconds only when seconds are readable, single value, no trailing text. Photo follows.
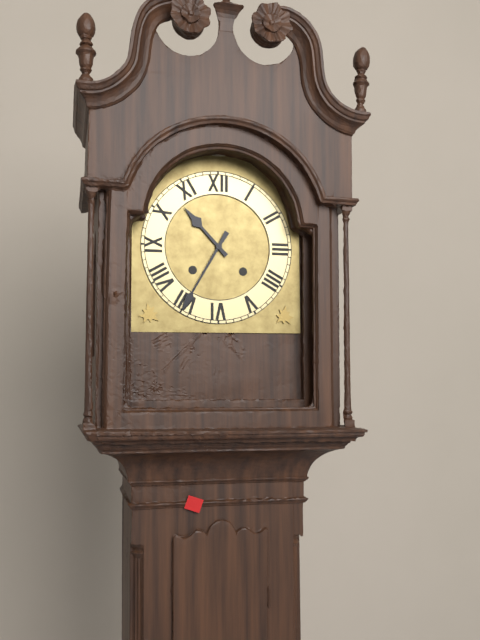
10.35
